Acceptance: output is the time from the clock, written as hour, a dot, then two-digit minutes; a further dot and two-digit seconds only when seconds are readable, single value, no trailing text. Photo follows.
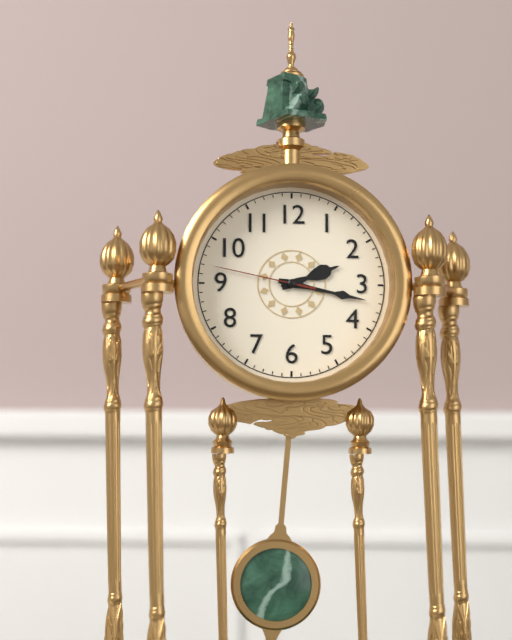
2.17.47
